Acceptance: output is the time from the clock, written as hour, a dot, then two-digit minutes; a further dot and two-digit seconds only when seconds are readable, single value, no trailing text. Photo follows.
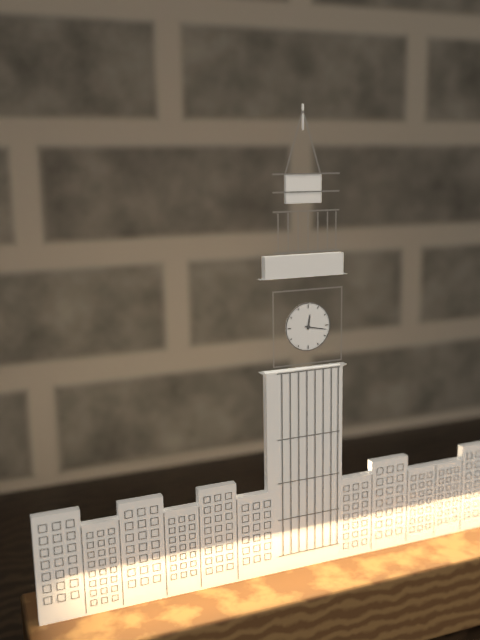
12.17
